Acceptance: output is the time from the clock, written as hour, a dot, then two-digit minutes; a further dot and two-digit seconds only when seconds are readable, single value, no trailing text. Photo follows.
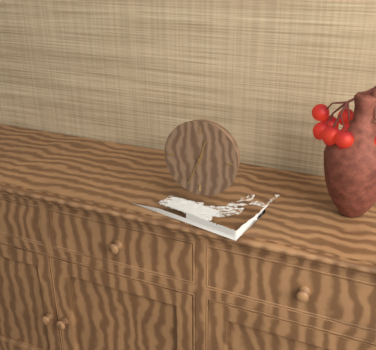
12.34
